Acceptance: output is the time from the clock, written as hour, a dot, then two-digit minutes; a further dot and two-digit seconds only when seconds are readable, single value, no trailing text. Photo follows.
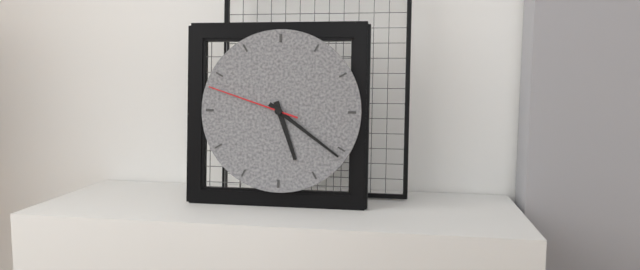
5.21.48
